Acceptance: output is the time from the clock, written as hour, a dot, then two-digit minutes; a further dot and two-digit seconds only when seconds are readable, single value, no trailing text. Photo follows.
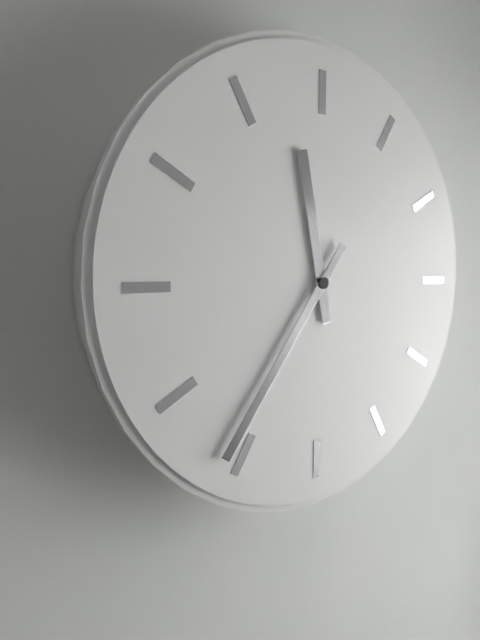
11.36
